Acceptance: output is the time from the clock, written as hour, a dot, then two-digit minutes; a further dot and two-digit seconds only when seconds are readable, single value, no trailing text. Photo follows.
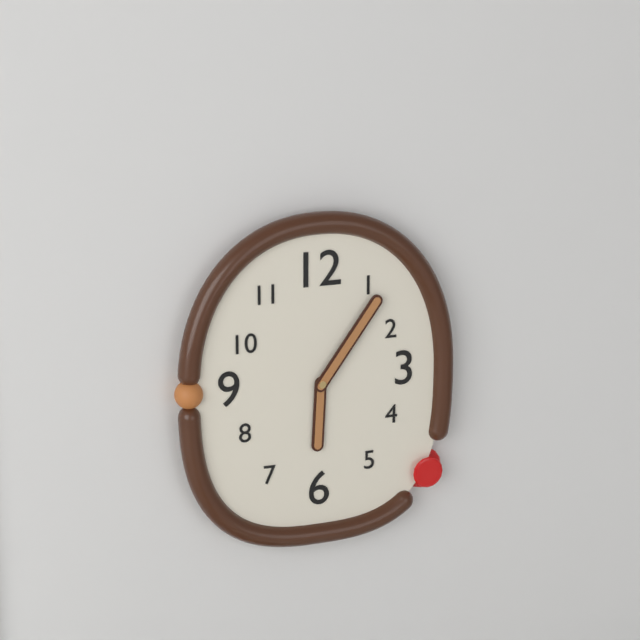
6.06
